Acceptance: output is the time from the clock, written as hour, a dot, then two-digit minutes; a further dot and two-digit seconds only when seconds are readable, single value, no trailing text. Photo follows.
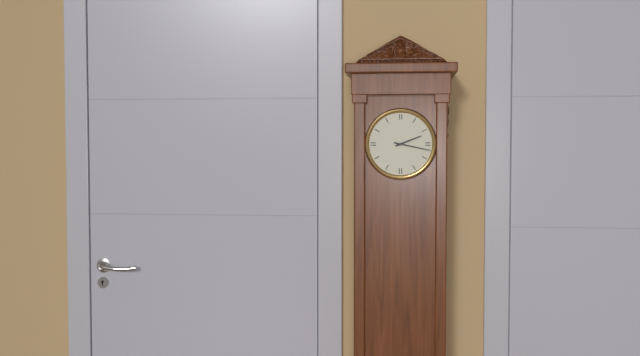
2.17
